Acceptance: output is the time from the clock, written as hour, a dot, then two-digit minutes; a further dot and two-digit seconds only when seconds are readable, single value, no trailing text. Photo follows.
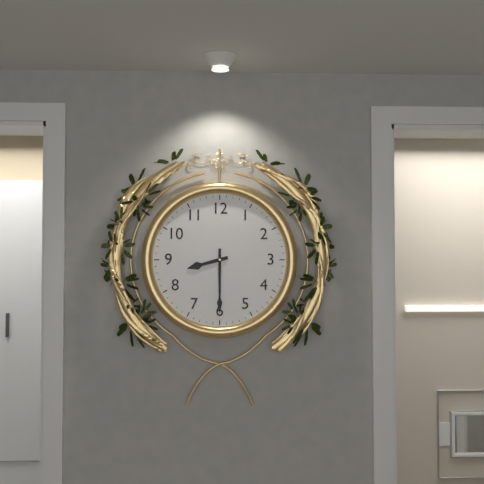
8.30
